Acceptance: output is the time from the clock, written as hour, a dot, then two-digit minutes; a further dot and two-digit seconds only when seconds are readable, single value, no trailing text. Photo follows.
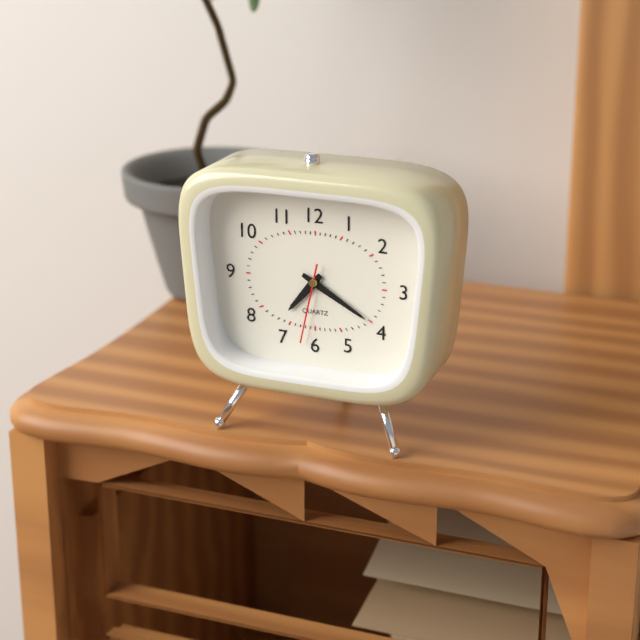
7.20.32
